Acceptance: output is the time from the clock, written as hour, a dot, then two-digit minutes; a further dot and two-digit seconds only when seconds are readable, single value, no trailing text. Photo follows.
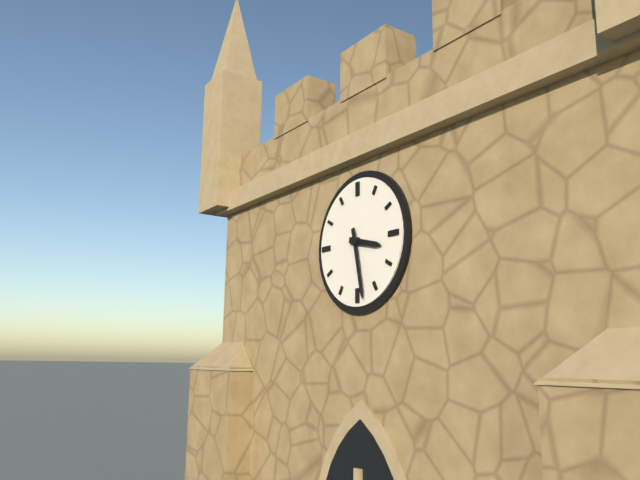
3.28
